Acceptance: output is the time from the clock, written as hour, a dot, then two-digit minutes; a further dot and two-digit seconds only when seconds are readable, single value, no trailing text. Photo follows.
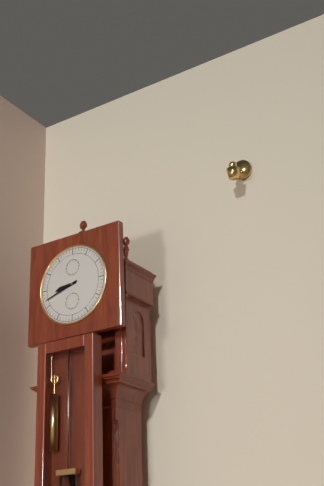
8.42
